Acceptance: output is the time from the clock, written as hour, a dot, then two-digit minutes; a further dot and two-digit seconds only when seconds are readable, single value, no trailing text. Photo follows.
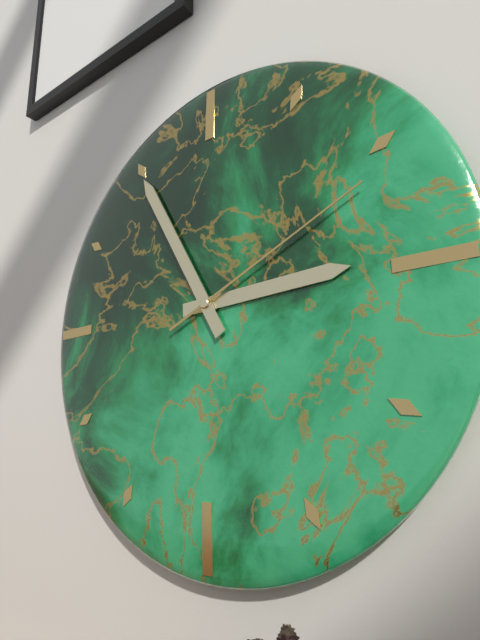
2.55.11
